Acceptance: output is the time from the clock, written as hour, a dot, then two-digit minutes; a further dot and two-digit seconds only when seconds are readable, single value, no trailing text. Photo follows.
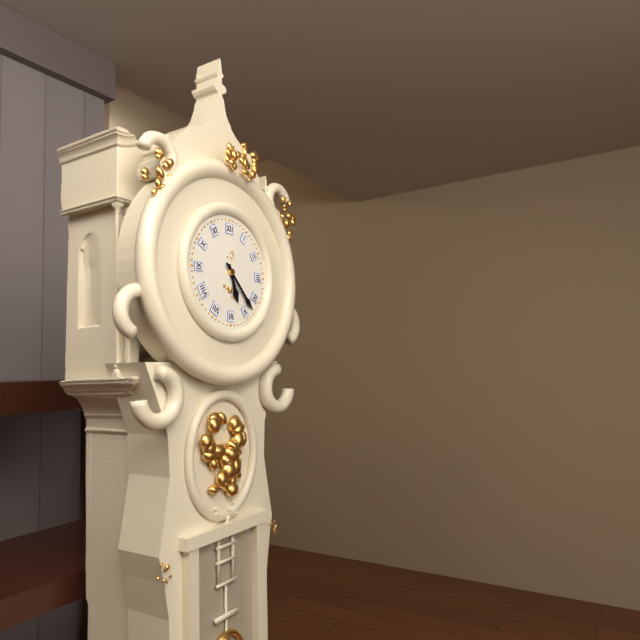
5.23
